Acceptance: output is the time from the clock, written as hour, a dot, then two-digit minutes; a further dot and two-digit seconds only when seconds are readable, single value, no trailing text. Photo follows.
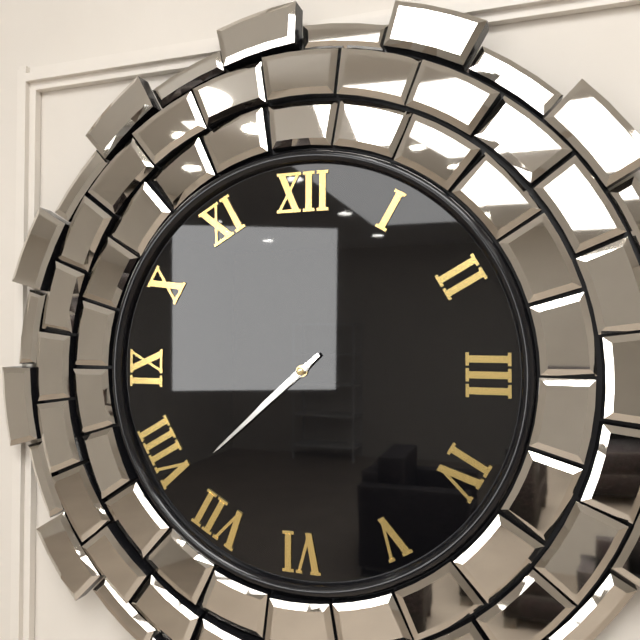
7.38
